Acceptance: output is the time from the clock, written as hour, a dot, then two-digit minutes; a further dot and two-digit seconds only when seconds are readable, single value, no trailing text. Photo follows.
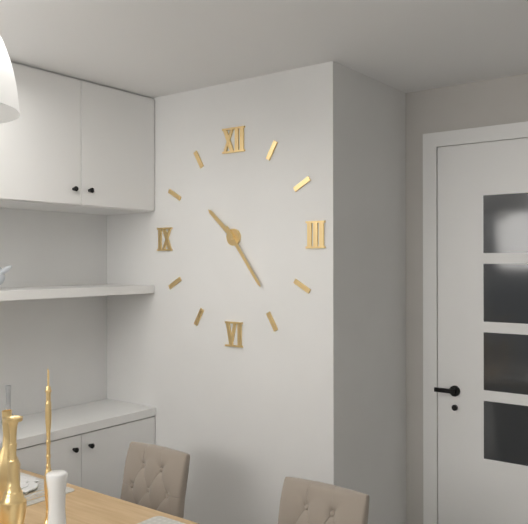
10.24
